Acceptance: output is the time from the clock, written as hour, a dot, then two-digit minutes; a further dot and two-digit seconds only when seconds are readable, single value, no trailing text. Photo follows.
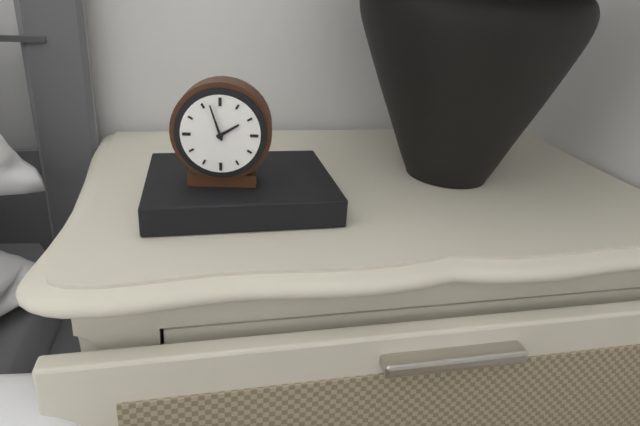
1.57
